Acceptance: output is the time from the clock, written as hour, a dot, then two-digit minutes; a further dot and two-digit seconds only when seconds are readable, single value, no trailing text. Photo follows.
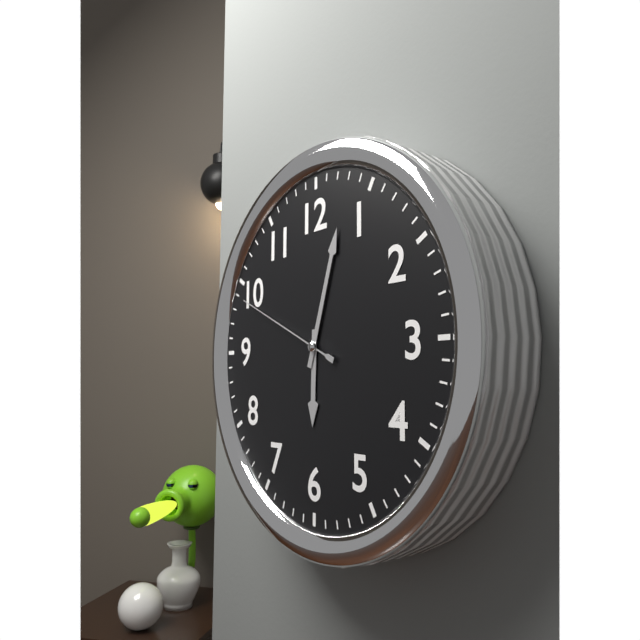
6.03.49
